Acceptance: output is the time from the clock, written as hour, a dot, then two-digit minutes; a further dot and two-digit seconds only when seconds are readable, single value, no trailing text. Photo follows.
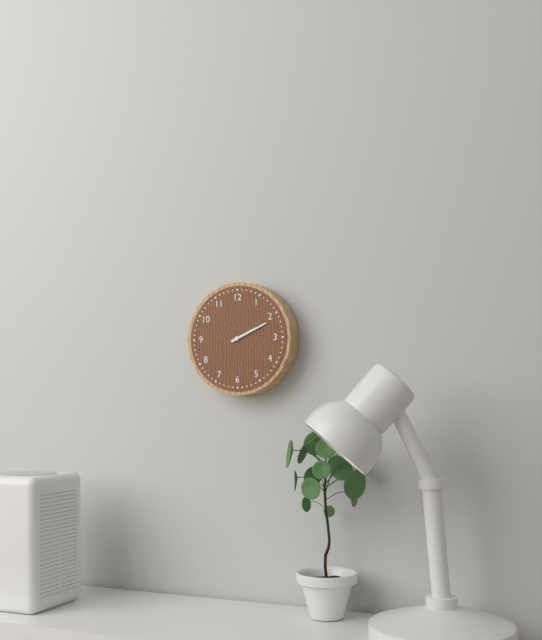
2.11
